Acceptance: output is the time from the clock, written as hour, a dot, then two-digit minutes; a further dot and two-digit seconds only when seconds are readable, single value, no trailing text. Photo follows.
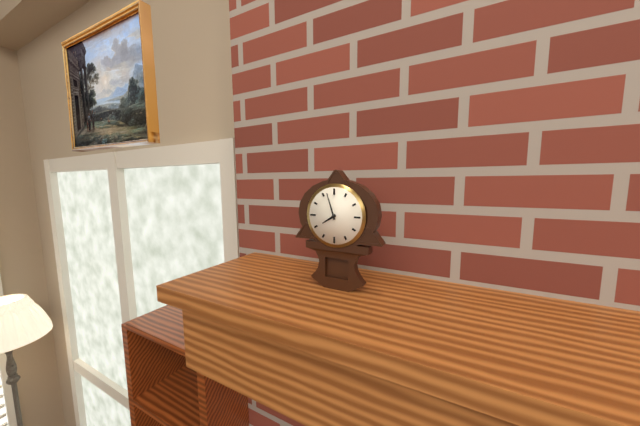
7.57
